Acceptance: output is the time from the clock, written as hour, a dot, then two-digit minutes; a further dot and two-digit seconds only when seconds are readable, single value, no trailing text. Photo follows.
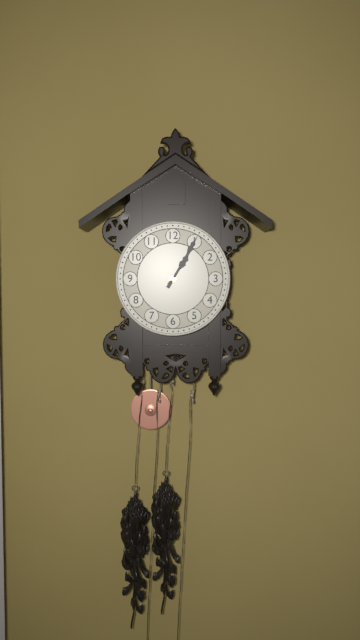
1.05
